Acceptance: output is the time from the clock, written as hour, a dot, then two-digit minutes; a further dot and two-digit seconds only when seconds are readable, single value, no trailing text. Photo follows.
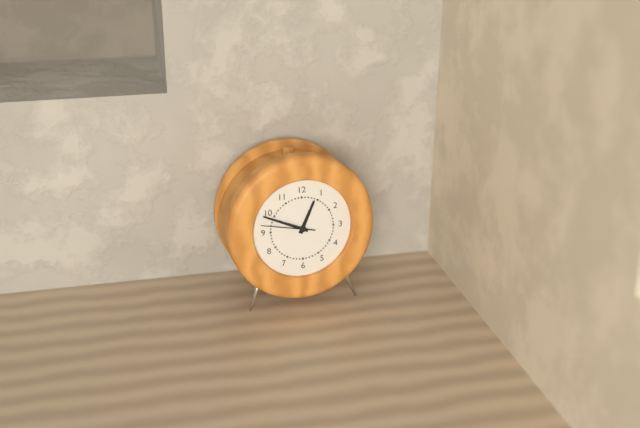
12.49.47
